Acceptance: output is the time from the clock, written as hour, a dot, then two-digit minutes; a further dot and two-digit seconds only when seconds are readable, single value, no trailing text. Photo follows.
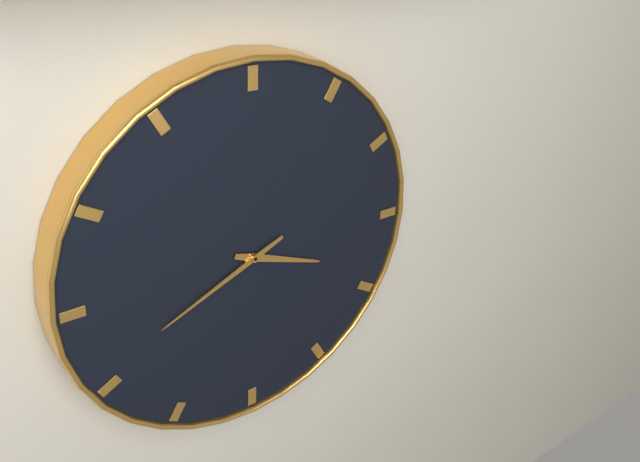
3.41
